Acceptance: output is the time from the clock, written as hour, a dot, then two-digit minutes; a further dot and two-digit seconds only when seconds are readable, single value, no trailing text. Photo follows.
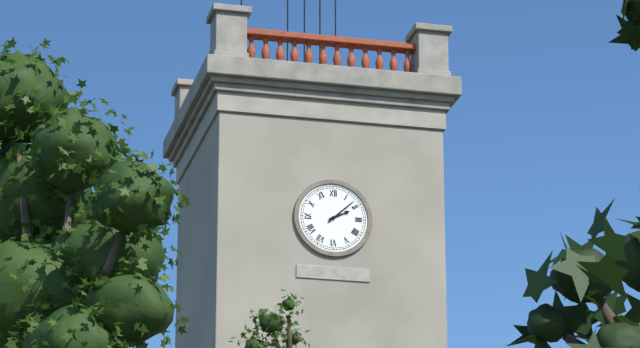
2.08
